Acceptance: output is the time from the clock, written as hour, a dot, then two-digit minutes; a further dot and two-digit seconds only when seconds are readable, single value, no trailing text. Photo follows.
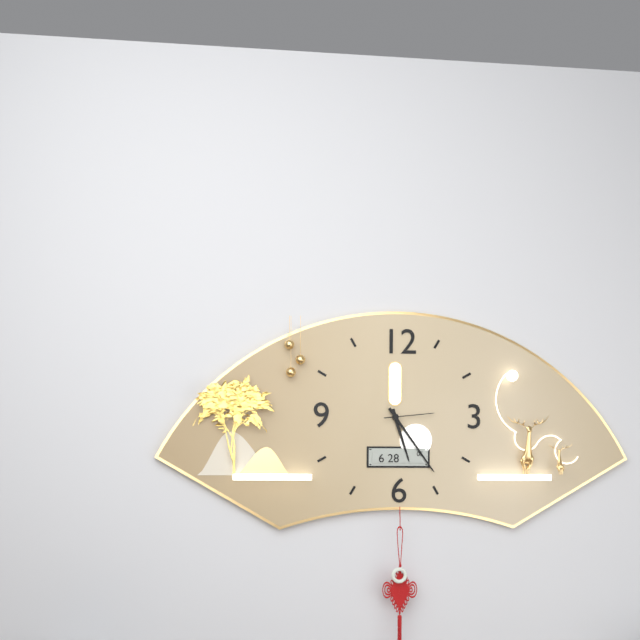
5.24.14
